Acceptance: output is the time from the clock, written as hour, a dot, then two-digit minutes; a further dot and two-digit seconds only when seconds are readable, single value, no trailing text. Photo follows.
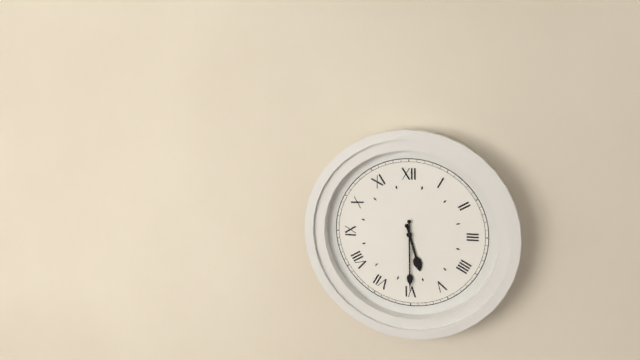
5.30
